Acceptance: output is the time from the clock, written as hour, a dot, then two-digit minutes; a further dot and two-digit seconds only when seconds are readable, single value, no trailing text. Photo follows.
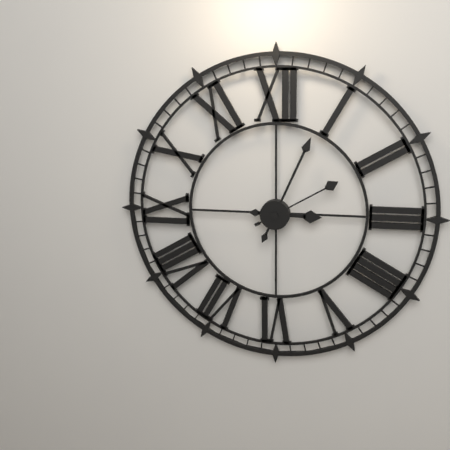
3.04.10
